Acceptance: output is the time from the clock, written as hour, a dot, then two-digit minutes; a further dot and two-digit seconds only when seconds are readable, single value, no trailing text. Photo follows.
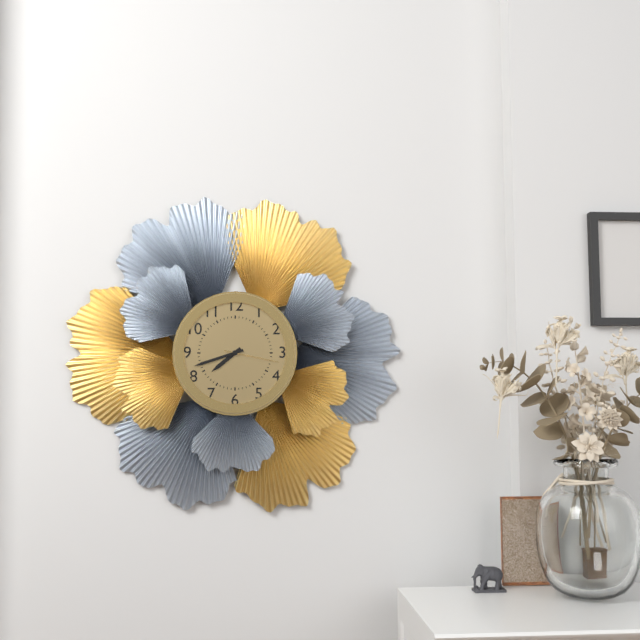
7.42.17
